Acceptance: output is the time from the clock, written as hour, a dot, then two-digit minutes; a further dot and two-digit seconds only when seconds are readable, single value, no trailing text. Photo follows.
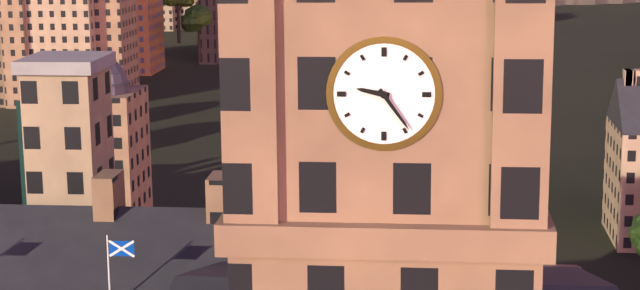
9.24
